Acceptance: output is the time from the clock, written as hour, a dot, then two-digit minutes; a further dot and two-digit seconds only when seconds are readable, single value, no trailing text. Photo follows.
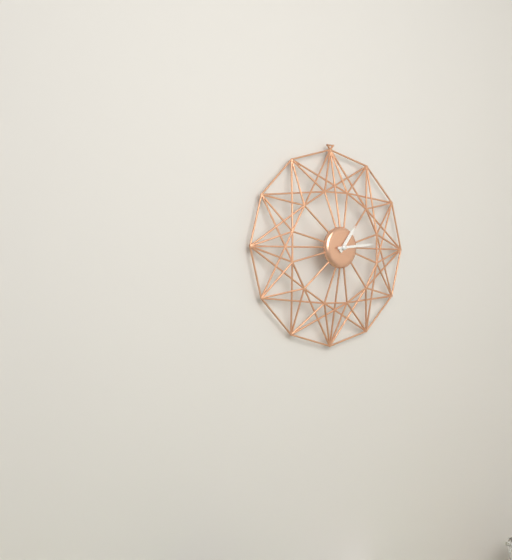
1.14
